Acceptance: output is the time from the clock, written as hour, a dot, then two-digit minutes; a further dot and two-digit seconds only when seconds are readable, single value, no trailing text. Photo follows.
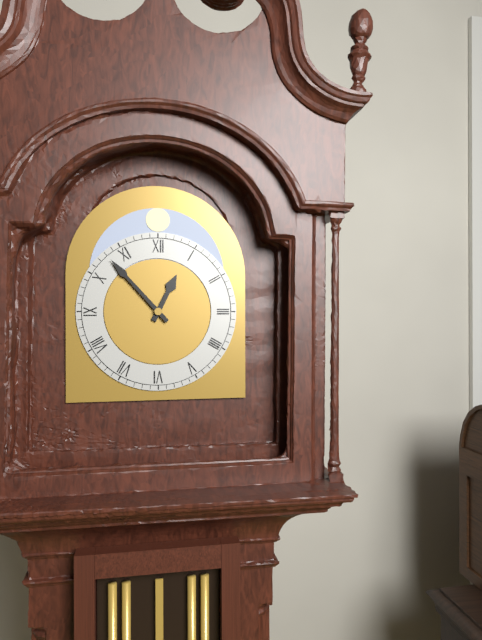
12.53
